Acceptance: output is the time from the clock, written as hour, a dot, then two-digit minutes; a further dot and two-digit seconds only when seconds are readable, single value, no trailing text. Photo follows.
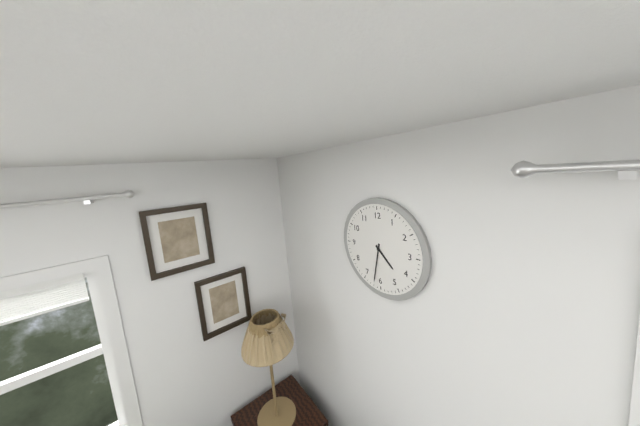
4.32
